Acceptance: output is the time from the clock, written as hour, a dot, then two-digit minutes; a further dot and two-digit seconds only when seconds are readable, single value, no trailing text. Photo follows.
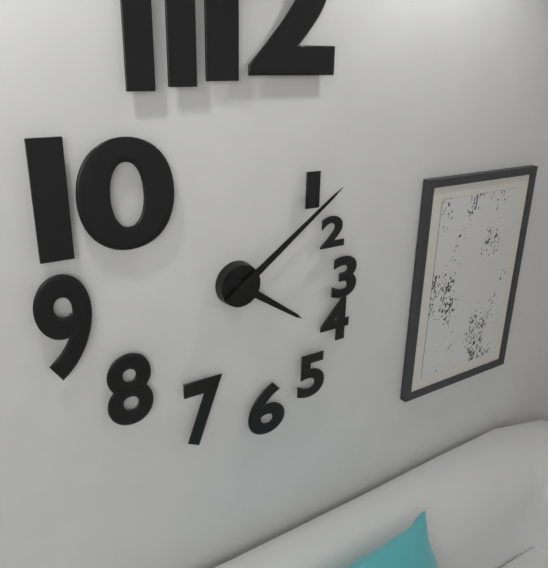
4.09
